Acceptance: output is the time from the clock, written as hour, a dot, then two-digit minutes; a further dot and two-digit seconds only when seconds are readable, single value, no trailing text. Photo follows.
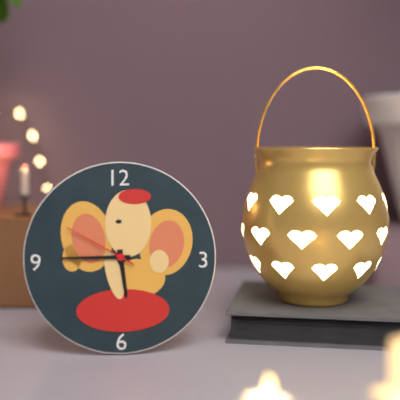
5.45.50
